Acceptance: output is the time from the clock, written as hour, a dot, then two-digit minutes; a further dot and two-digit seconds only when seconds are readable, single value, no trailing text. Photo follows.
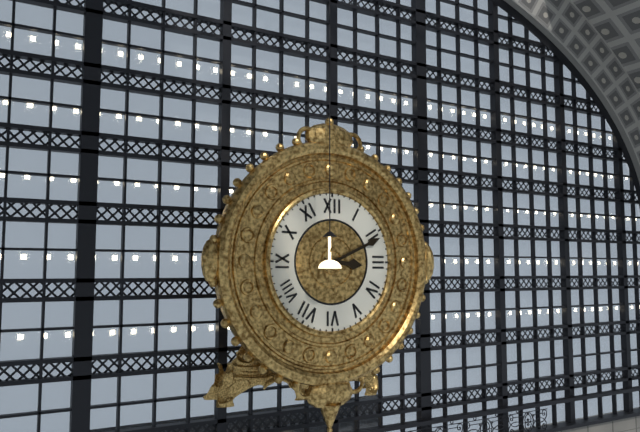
3.11
